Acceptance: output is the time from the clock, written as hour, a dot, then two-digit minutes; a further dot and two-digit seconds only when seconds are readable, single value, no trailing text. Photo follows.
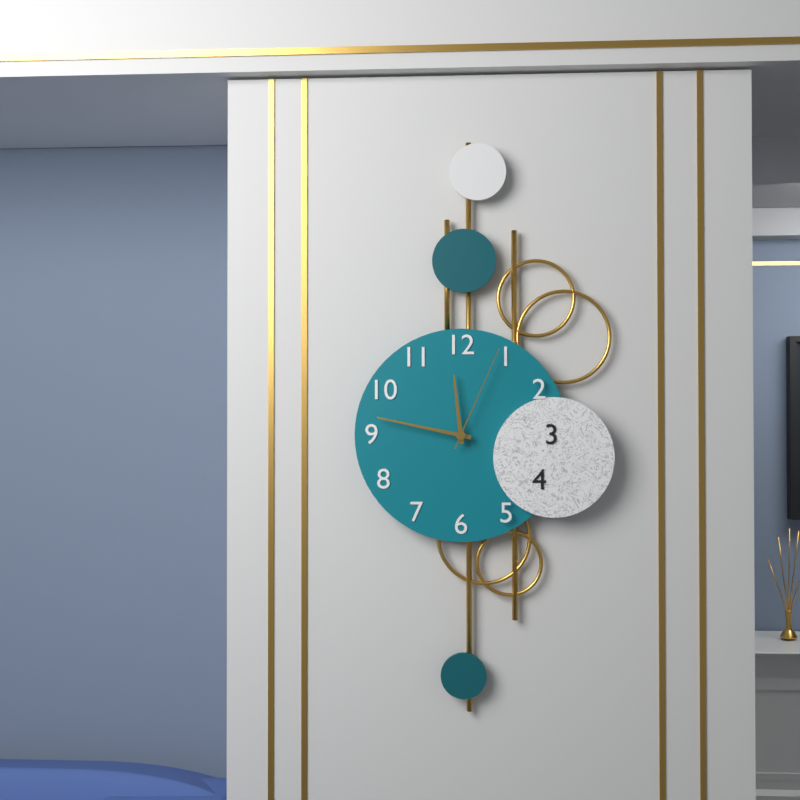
11.47.04
